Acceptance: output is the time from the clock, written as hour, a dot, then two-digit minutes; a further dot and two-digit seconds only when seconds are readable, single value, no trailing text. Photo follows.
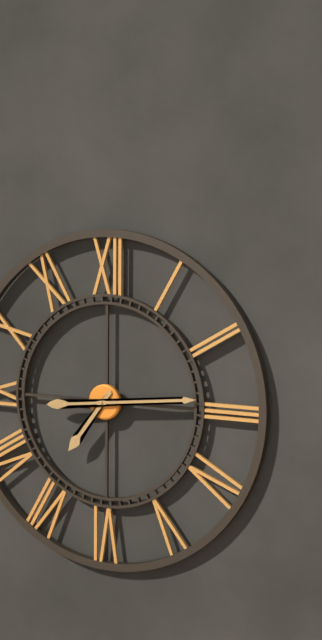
7.14
